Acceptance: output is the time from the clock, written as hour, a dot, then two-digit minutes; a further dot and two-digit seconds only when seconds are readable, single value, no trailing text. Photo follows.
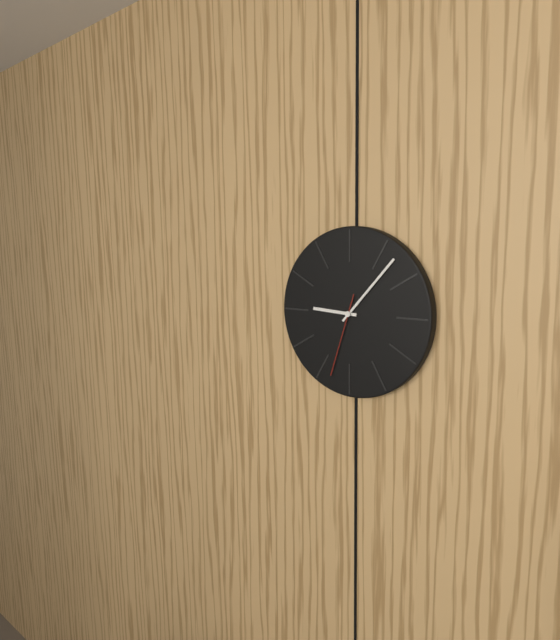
9.07.33
